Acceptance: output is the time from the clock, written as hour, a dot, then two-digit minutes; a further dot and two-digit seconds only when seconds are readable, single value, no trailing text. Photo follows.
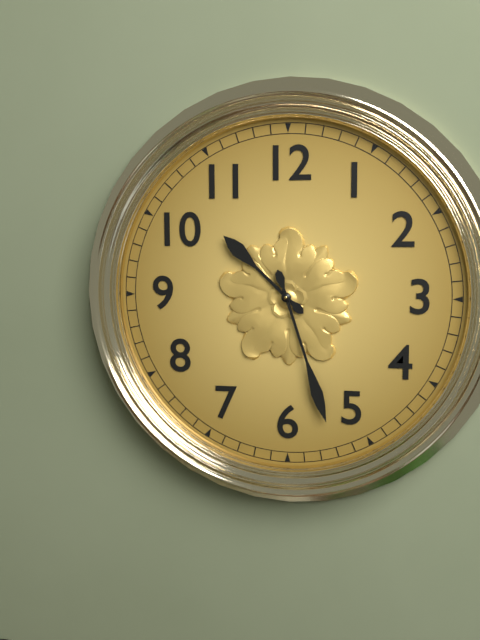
10.27
